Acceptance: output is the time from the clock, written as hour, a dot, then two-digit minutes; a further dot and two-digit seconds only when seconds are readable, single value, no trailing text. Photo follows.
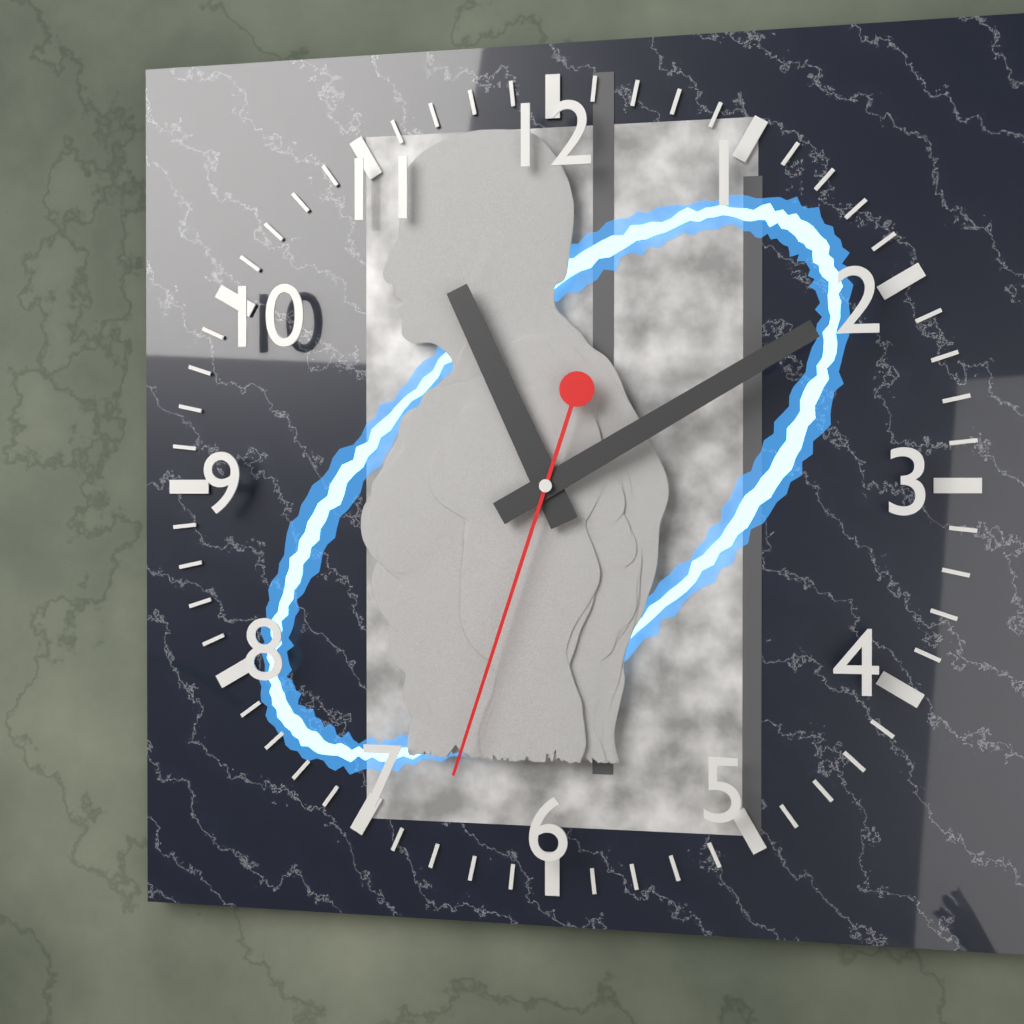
11.10.33
